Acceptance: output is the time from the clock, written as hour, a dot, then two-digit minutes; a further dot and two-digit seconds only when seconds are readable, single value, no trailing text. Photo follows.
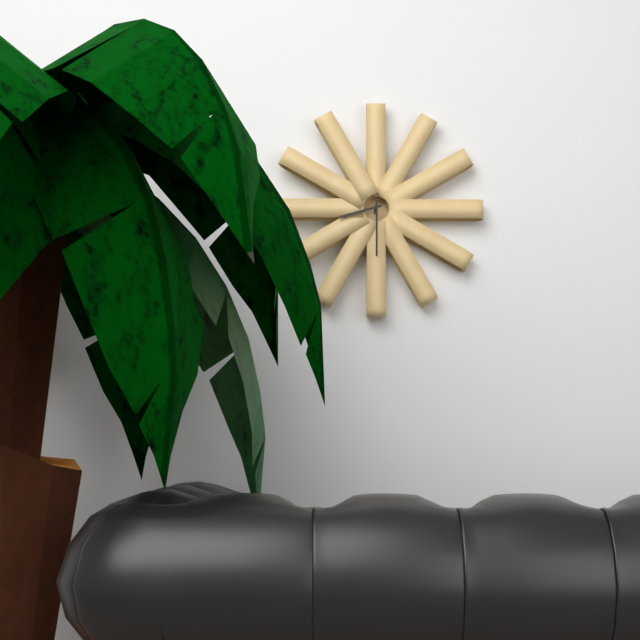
8.30
